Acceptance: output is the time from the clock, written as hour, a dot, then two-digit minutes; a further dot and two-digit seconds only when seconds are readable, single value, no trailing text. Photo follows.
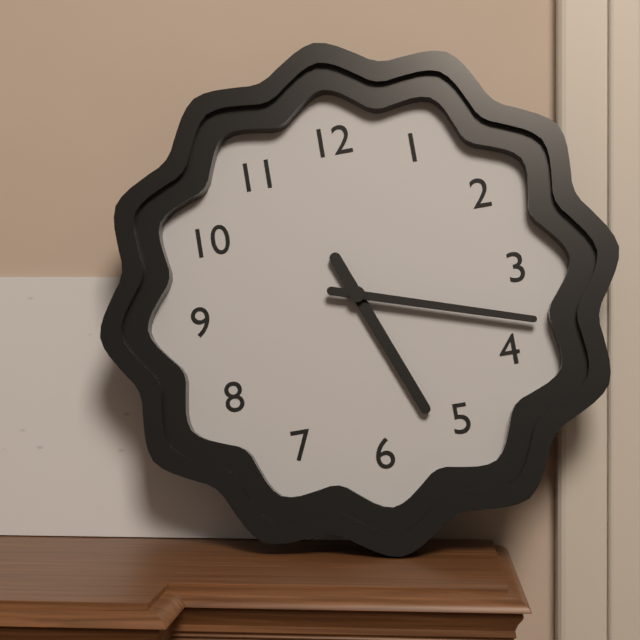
5.18
